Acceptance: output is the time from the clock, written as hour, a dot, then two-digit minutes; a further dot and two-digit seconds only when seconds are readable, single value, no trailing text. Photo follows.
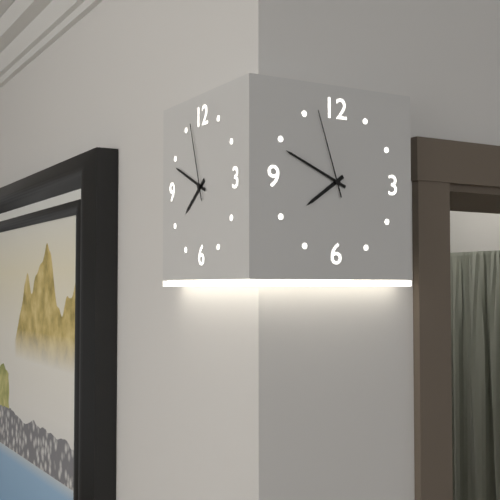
7.49.57
